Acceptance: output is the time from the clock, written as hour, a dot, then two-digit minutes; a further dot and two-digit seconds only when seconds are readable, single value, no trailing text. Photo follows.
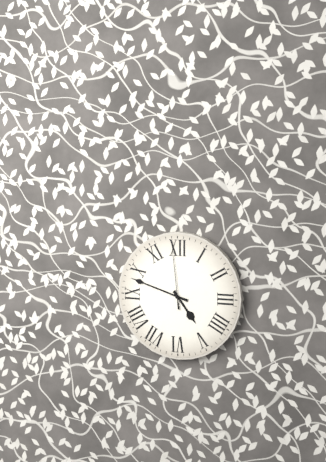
4.48.59
